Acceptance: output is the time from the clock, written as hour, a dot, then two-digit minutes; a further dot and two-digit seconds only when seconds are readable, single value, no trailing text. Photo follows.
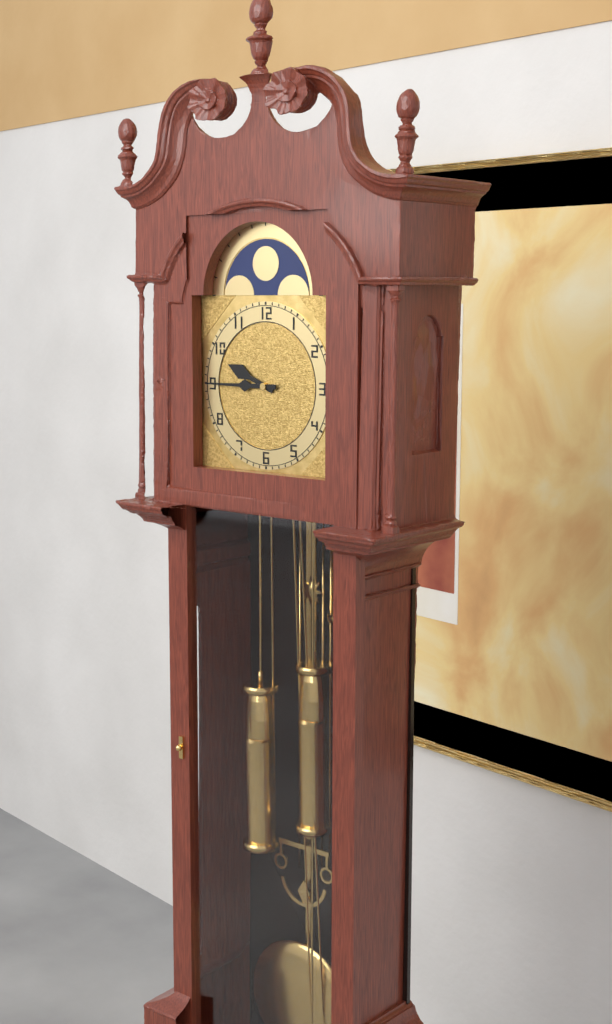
9.45
